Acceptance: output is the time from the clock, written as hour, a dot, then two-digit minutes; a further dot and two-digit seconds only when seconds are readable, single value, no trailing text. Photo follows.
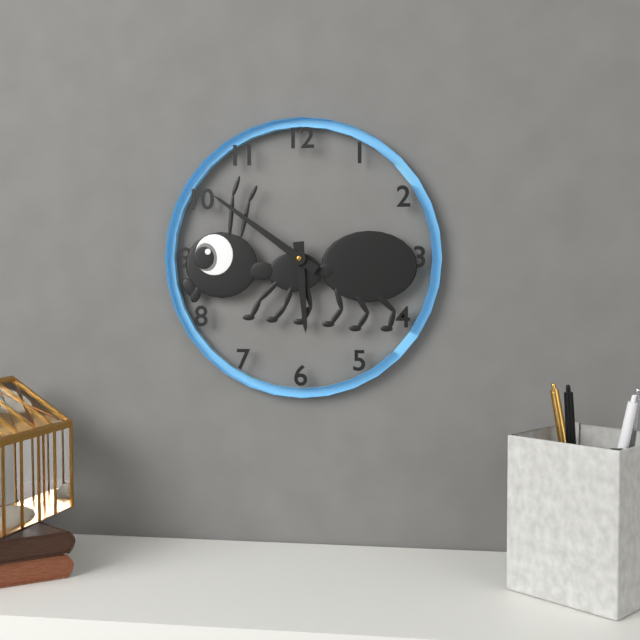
5.51
